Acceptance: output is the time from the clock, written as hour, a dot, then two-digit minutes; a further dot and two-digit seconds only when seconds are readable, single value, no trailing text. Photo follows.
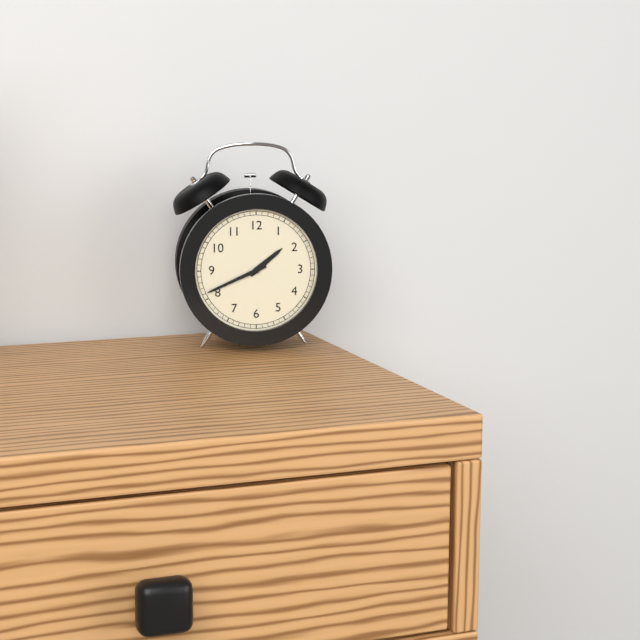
1.41
